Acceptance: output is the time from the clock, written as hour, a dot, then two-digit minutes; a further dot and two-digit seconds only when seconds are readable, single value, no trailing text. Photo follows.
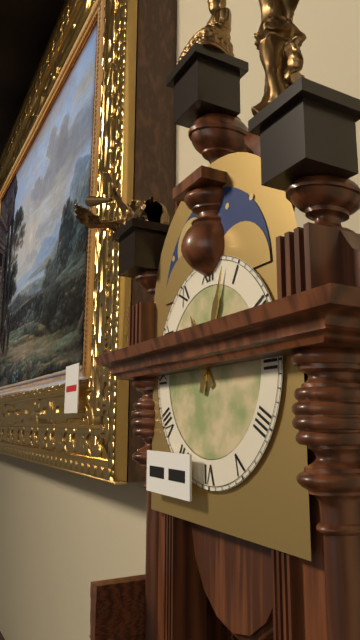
11.03
